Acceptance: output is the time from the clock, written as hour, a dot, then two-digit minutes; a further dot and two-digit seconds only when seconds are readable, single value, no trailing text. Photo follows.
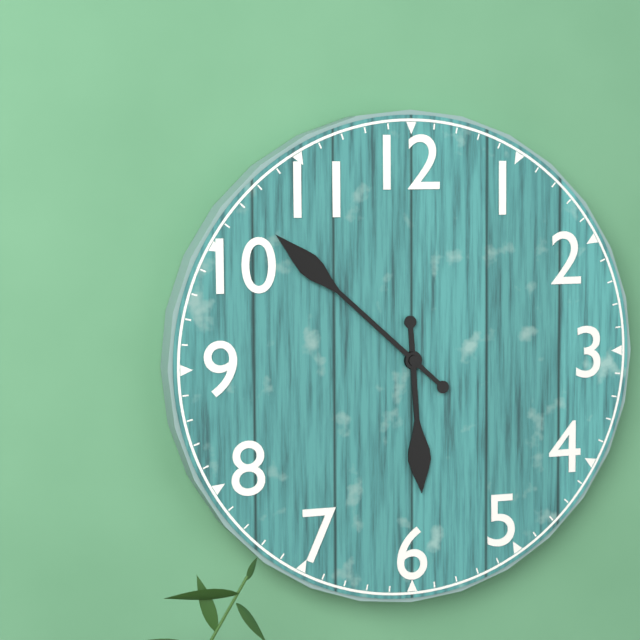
5.52
